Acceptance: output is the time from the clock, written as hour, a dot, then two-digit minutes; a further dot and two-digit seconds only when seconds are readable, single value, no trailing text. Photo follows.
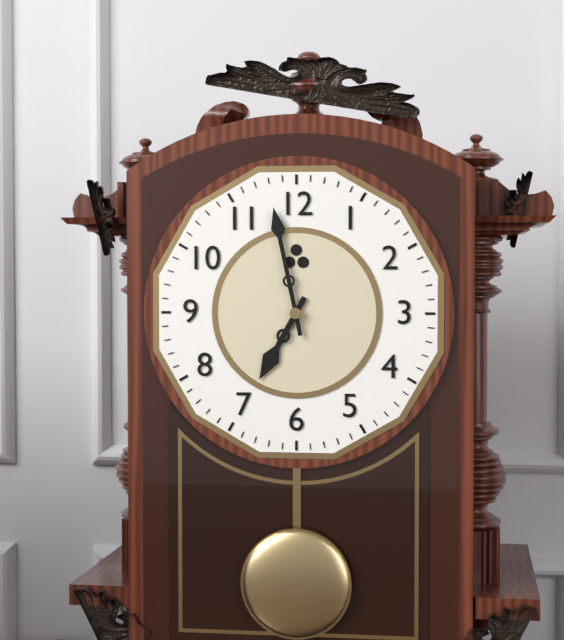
6.58
